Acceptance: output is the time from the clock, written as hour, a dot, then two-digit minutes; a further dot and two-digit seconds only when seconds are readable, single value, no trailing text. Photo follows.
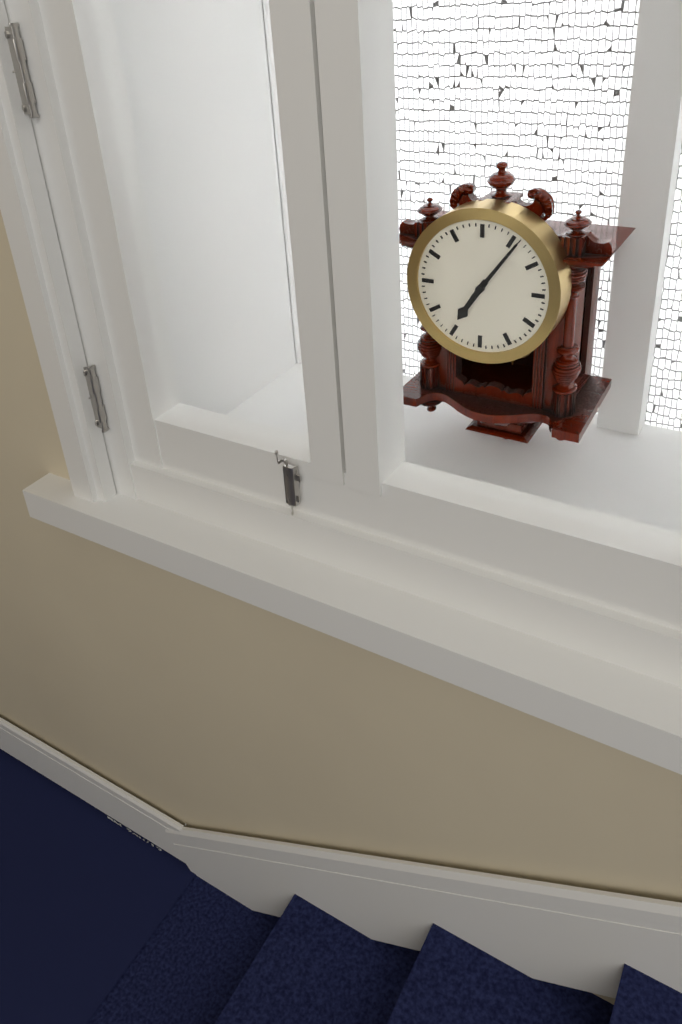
7.06
